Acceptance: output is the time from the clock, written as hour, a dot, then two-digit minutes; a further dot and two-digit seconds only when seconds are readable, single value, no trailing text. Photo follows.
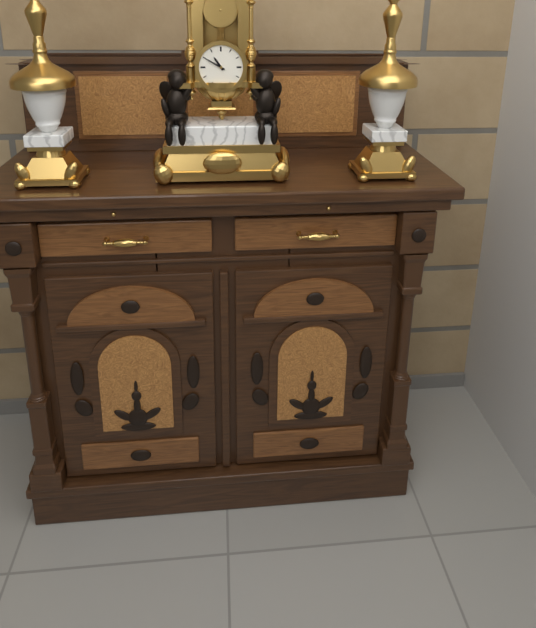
10.50
